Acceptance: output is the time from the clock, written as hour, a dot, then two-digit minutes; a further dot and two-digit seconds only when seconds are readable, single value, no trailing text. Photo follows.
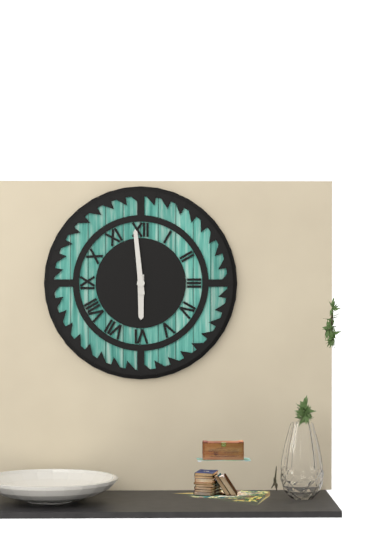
5.59
